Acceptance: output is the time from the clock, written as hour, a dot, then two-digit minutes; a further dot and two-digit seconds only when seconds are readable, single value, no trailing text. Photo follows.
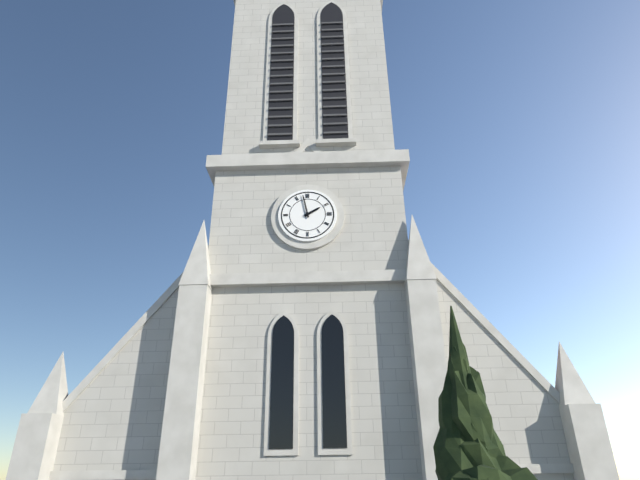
1.58
